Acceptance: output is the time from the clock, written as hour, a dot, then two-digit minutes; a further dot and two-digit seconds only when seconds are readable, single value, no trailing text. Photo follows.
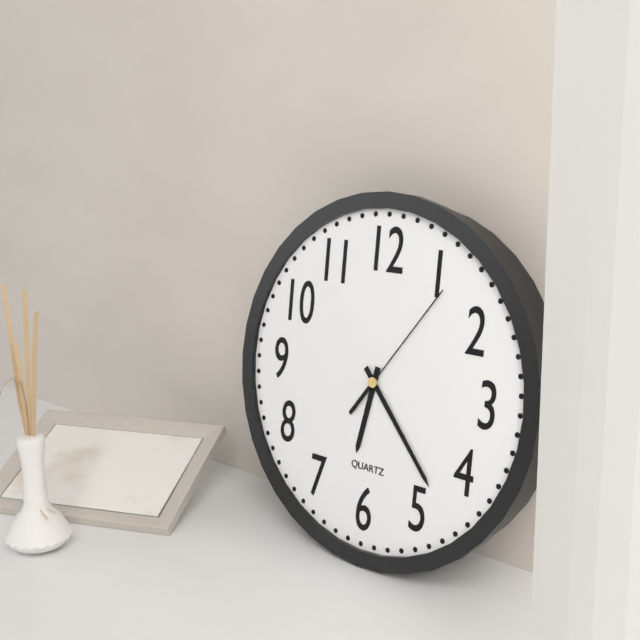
6.23.06
